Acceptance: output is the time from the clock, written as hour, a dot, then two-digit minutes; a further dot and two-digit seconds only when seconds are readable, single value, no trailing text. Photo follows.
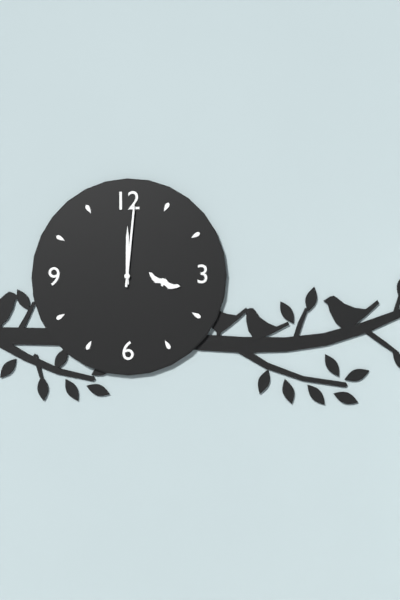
12.01
